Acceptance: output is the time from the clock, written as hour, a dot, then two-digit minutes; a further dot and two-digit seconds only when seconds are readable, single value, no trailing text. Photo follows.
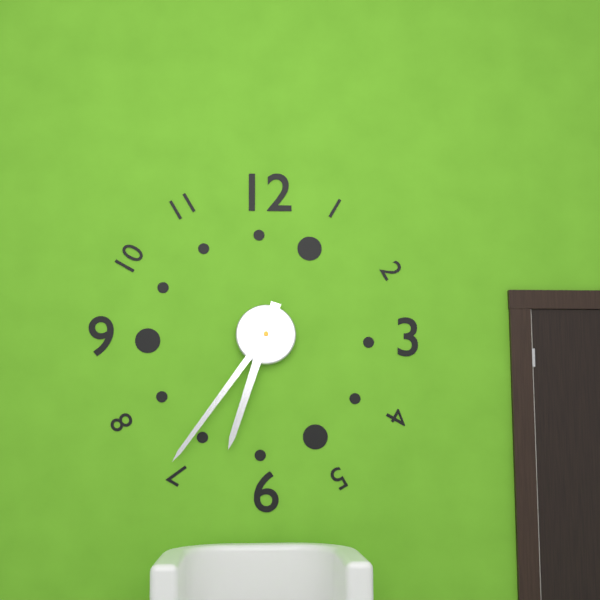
6.36
